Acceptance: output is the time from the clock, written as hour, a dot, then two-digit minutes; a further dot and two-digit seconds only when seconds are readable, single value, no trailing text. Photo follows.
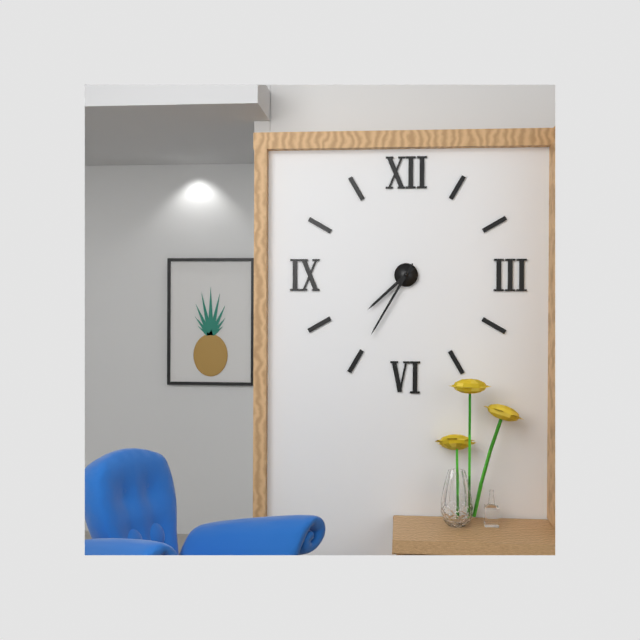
7.35
